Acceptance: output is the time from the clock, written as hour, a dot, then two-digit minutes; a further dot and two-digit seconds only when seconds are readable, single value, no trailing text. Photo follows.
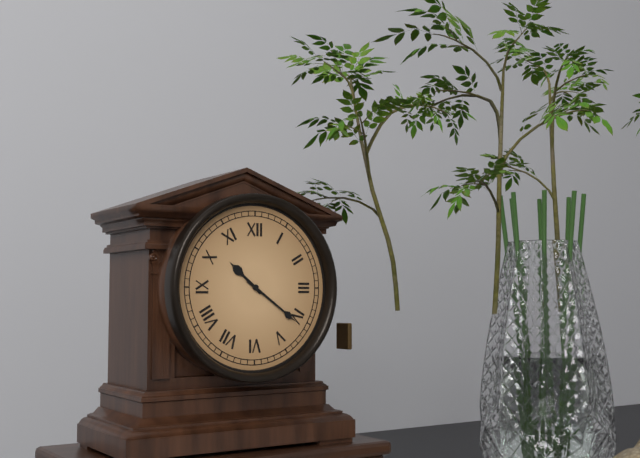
10.21
